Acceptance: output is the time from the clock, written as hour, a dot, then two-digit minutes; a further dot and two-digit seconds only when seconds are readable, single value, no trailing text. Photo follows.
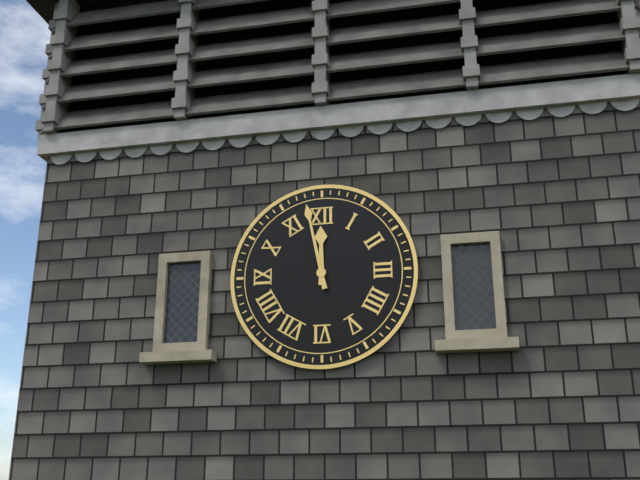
11.58
